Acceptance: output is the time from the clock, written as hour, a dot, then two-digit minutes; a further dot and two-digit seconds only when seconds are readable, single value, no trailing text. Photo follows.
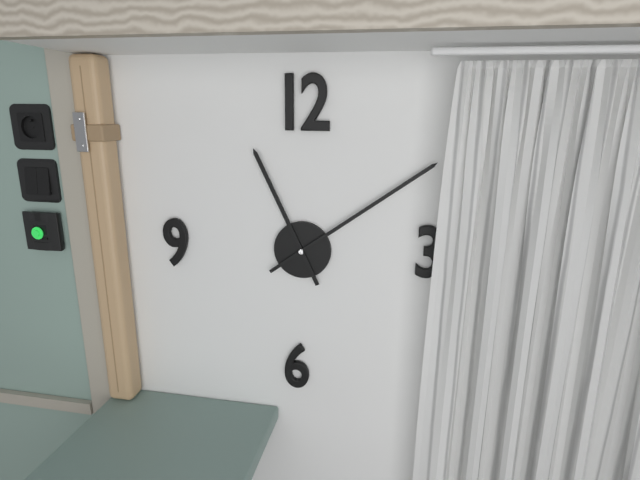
11.09
